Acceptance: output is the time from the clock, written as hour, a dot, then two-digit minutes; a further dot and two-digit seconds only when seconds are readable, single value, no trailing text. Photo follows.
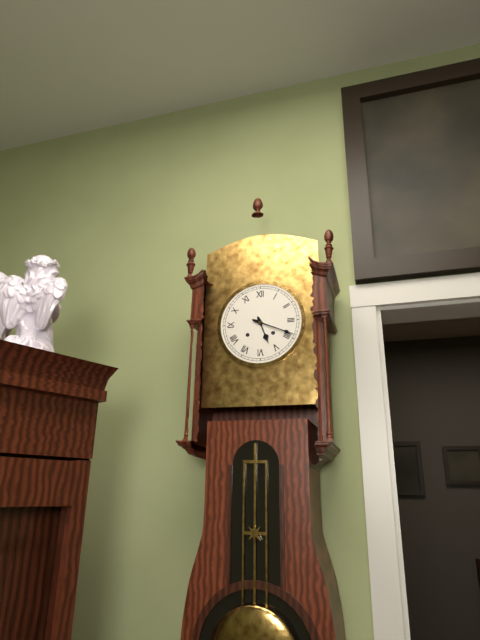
5.19
